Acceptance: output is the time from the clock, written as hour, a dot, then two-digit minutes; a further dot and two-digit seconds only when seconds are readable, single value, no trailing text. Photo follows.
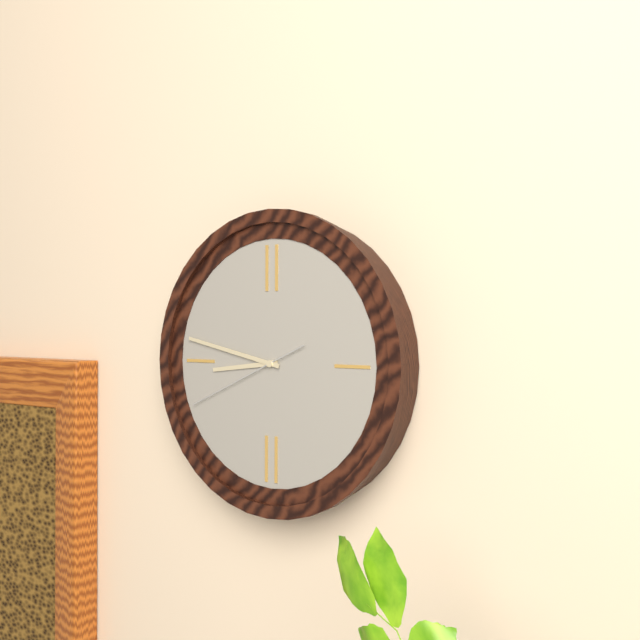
8.47.41
